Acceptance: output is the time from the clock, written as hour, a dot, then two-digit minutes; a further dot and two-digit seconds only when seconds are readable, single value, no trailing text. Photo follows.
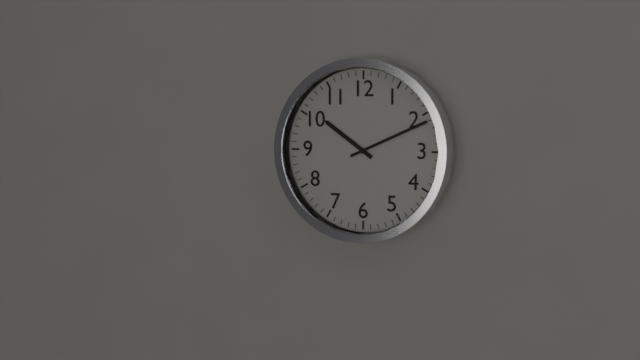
10.11
